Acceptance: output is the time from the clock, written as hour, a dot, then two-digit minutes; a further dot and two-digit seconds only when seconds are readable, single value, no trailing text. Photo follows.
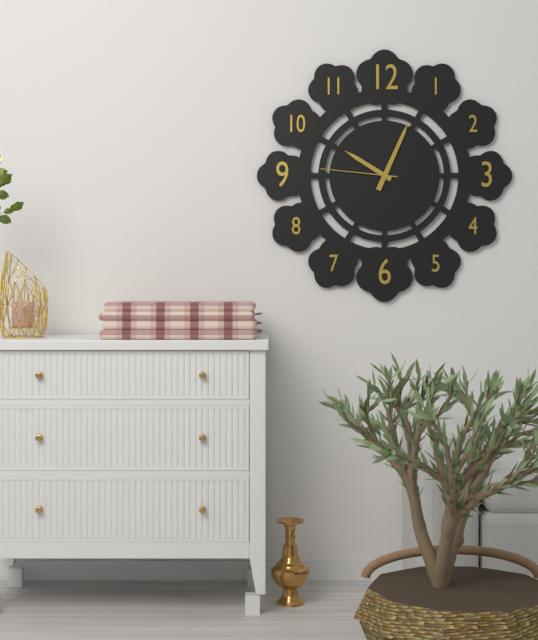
10.04.46
